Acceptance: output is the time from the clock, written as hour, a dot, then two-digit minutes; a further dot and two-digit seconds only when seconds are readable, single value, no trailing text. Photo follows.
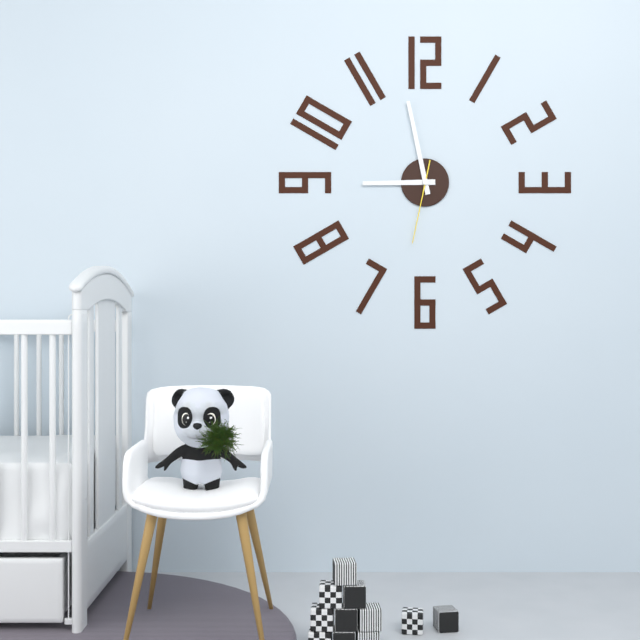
8.58.32
